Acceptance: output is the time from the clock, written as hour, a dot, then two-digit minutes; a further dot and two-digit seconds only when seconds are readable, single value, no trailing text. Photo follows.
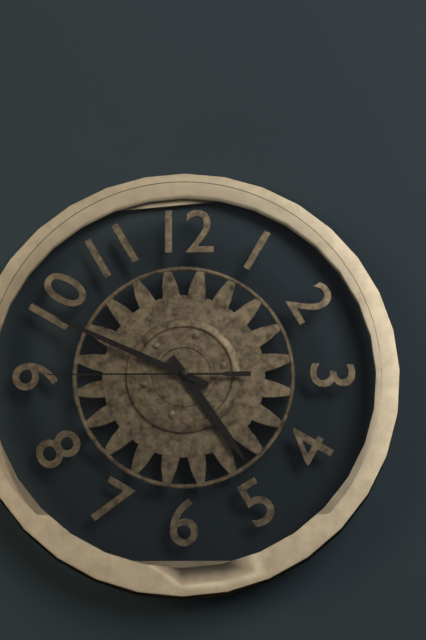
4.49.45
